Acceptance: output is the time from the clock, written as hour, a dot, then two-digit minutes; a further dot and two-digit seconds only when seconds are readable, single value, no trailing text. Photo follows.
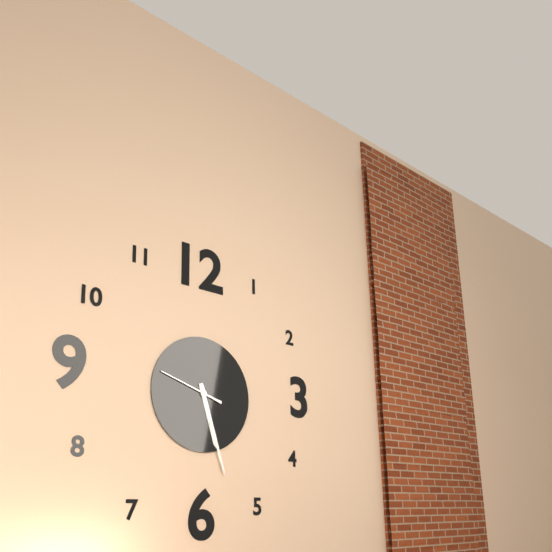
5.27.48
